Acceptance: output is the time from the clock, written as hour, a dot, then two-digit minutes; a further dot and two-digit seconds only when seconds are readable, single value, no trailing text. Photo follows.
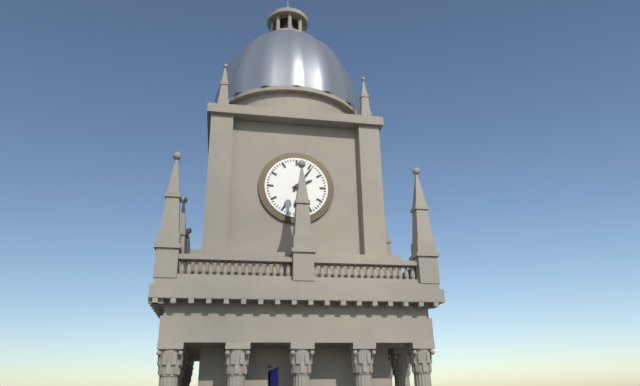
2.06
